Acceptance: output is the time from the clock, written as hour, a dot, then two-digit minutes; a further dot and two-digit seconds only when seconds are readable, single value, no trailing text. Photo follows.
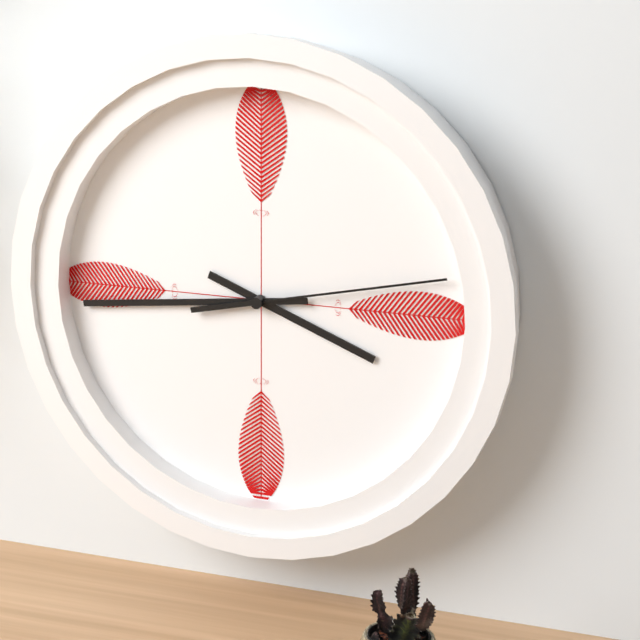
3.44.13
